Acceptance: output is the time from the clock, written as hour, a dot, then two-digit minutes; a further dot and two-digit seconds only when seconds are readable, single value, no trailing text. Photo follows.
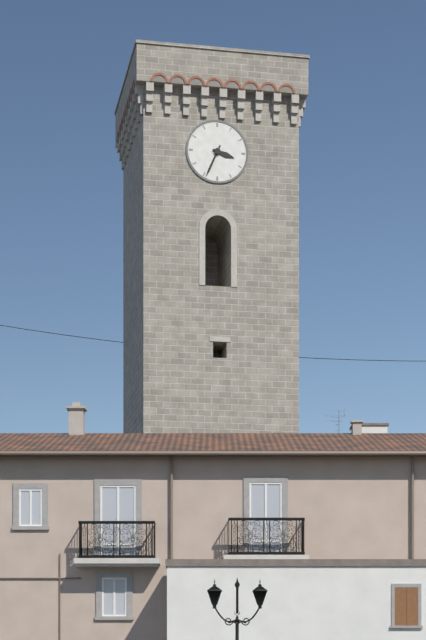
3.34
